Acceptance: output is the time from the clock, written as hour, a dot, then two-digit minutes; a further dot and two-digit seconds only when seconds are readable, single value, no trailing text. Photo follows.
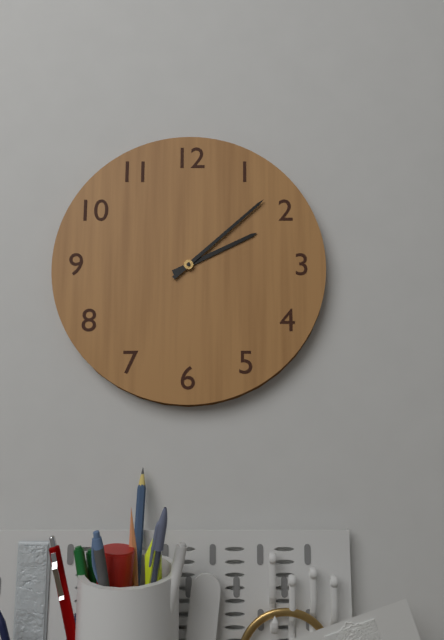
2.08
